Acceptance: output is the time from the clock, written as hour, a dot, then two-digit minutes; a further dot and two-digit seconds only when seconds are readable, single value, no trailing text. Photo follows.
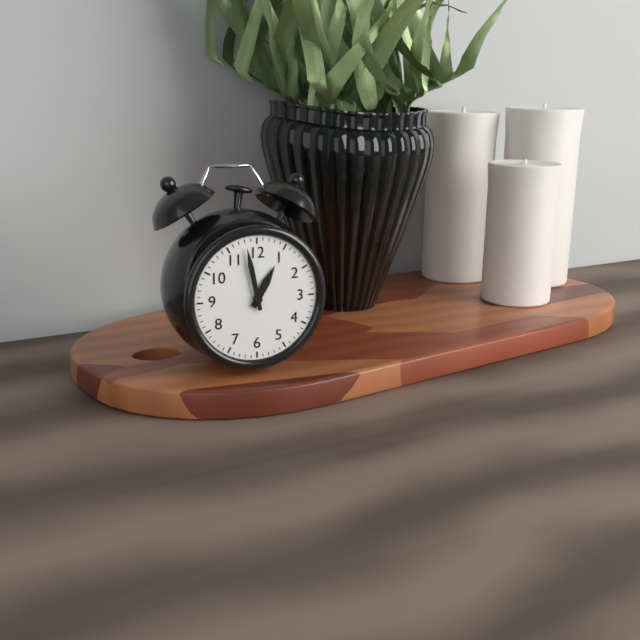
12.58
